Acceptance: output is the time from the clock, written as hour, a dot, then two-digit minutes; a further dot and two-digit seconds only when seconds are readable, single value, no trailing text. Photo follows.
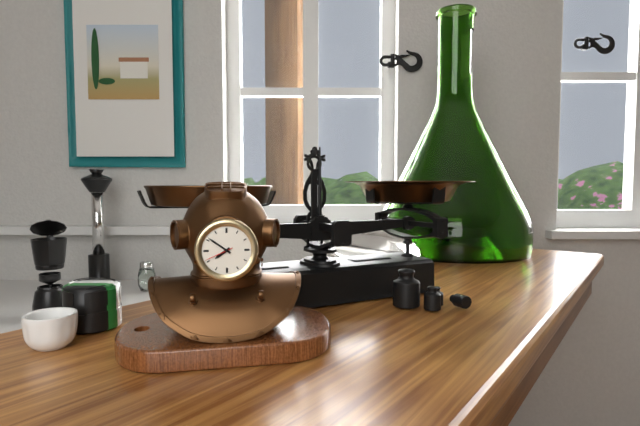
7.51
